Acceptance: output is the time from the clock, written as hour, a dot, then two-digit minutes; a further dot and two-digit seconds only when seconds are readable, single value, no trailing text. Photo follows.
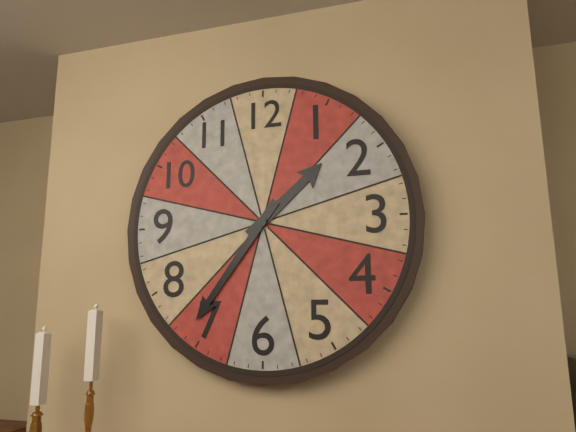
1.36
